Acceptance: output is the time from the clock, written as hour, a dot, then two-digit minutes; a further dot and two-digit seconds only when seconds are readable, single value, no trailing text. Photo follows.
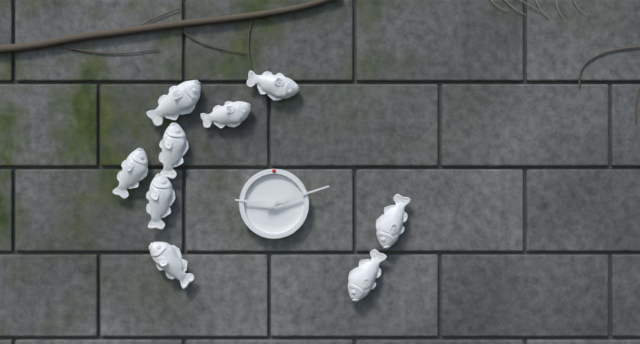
9.12
